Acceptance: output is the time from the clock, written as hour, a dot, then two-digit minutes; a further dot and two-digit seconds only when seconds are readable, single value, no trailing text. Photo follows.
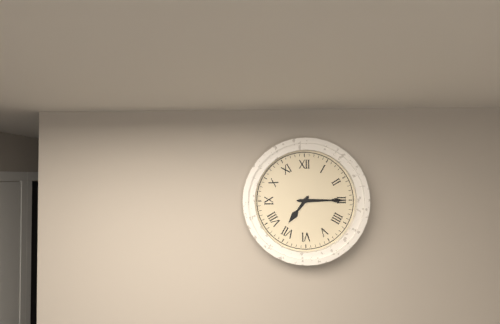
7.15
